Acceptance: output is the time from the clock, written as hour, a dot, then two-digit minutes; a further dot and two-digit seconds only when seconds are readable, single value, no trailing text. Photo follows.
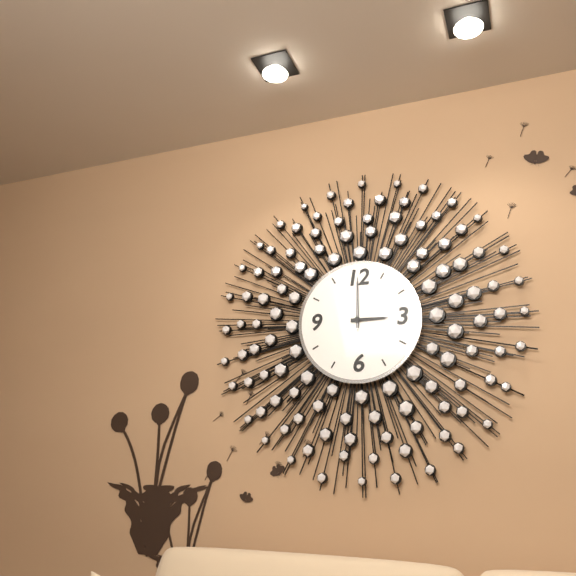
3.00.00
